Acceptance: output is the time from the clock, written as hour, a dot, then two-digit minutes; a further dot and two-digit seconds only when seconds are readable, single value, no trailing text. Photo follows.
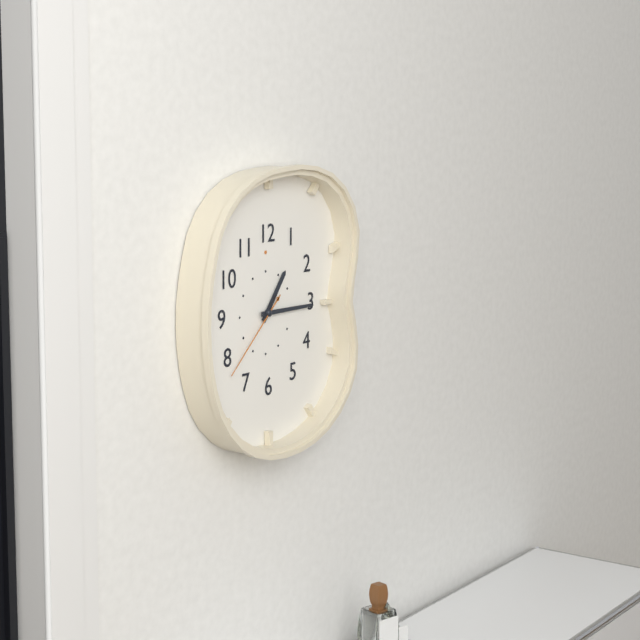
1.15.38
